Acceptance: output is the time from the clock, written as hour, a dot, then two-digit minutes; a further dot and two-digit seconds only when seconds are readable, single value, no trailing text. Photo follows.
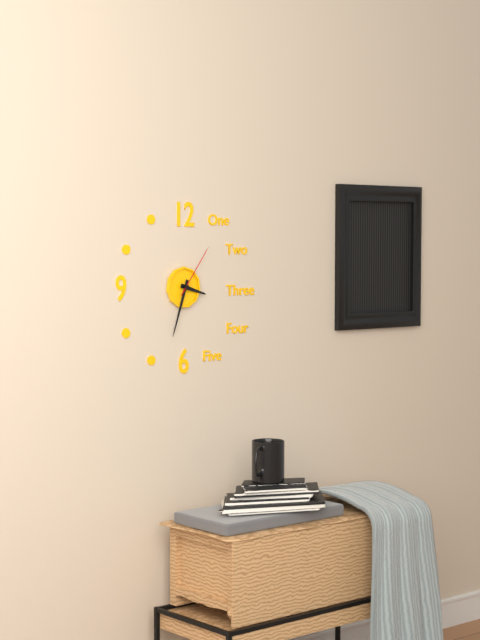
3.33.06
